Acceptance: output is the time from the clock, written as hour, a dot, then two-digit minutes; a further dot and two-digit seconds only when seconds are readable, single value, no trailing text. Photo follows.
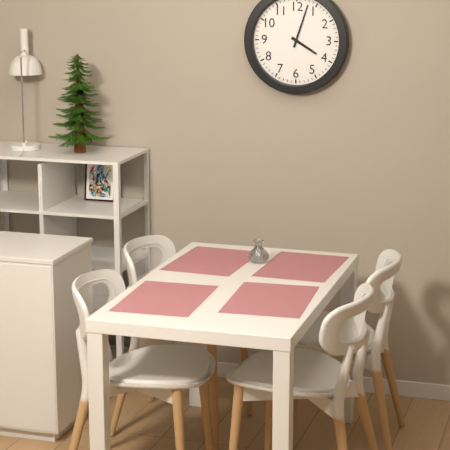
4.03
